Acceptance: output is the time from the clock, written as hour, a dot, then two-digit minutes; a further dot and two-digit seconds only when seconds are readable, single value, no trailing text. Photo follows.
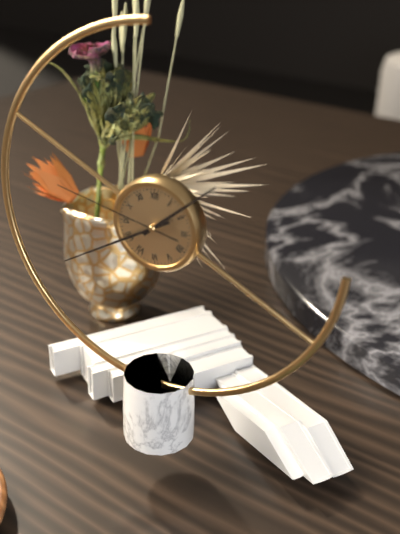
1.40.47
